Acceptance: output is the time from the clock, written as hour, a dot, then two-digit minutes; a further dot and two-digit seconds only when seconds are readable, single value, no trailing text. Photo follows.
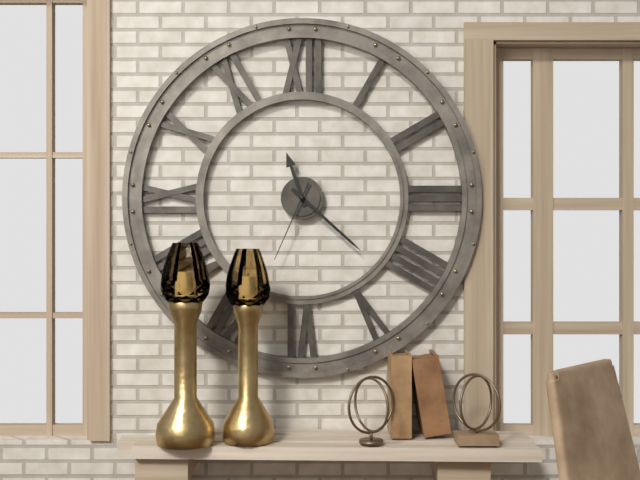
11.22.34
